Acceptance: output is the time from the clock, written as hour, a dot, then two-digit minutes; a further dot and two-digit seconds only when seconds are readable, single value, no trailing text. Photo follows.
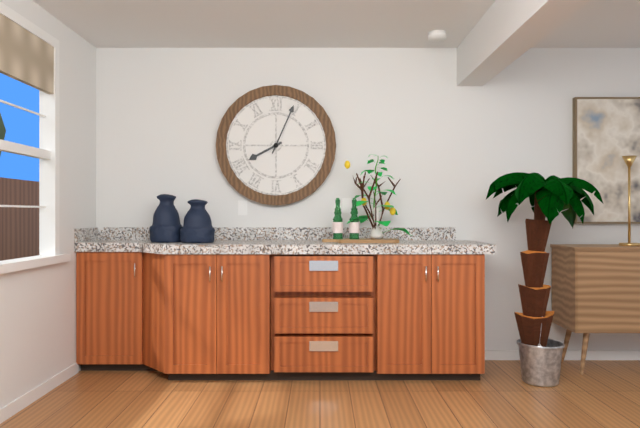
8.04
